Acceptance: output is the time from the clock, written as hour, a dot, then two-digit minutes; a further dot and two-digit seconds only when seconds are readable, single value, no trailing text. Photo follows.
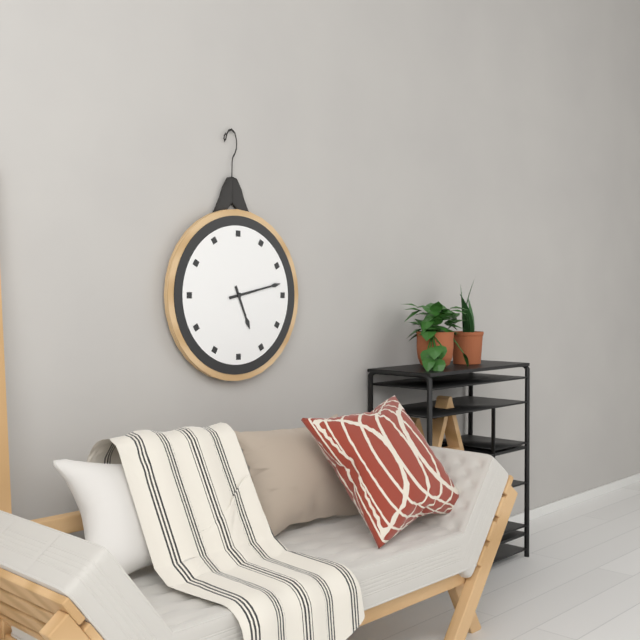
5.13
